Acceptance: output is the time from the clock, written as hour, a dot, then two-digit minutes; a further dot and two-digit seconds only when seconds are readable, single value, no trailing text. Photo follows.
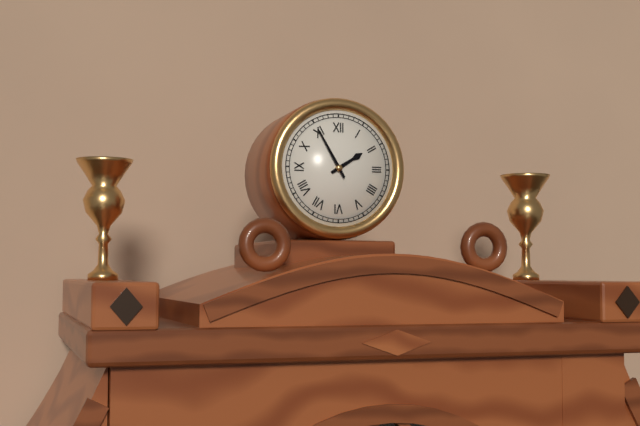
1.55
